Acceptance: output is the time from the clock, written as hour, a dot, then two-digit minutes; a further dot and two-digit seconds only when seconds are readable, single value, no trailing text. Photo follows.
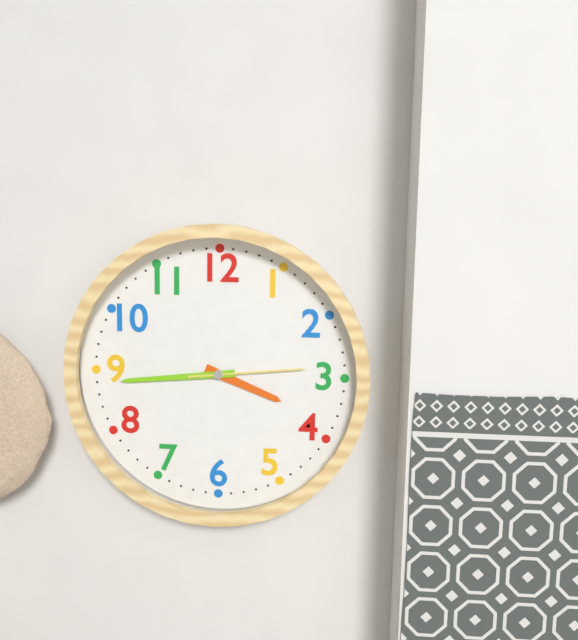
3.44.14
